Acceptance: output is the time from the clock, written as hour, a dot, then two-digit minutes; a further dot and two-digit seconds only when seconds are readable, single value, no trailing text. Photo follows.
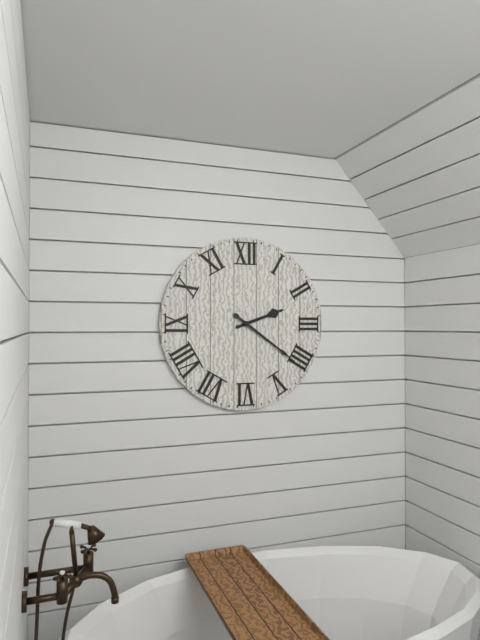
2.21
